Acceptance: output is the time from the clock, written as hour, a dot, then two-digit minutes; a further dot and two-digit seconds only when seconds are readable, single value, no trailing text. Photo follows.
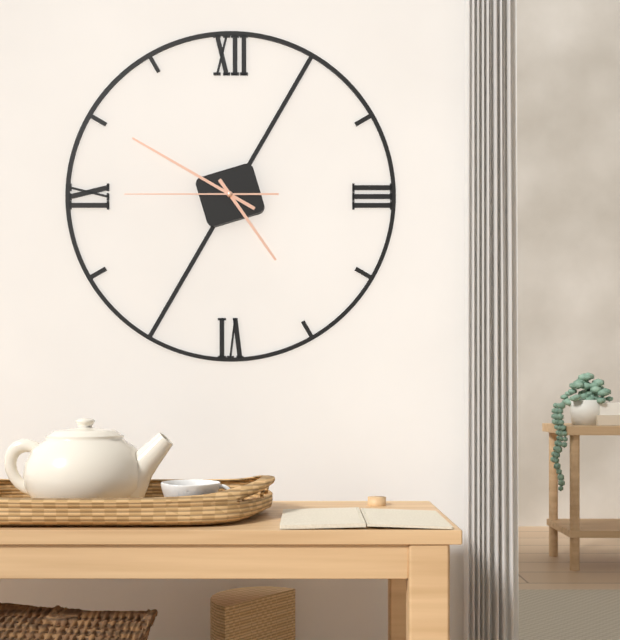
4.50.45
